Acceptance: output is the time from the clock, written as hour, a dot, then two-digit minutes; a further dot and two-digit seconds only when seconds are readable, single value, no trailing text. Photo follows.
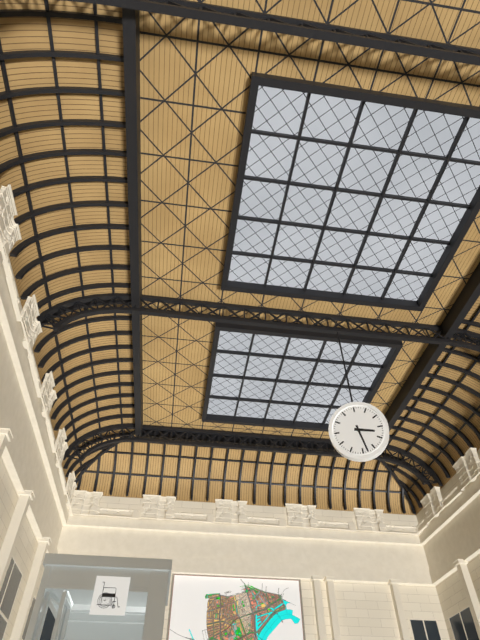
3.28
